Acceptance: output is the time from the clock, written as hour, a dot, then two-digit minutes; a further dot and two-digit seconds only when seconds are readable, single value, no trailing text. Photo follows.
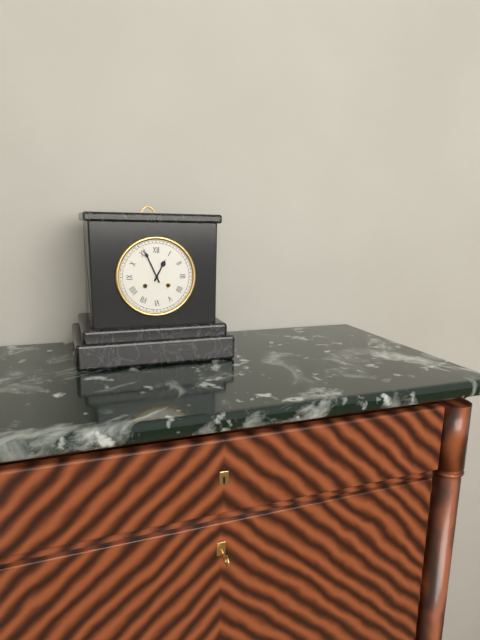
12.56
